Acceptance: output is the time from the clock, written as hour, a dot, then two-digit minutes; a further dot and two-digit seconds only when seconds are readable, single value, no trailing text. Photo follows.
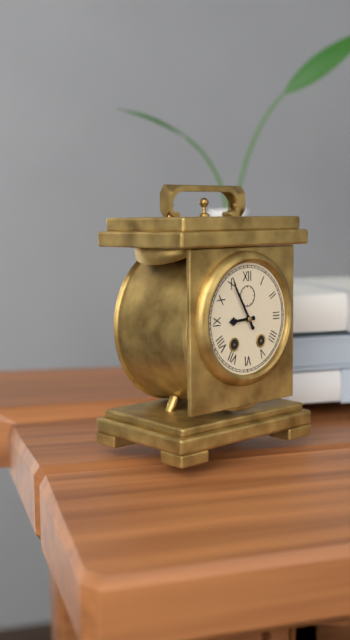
8.55
